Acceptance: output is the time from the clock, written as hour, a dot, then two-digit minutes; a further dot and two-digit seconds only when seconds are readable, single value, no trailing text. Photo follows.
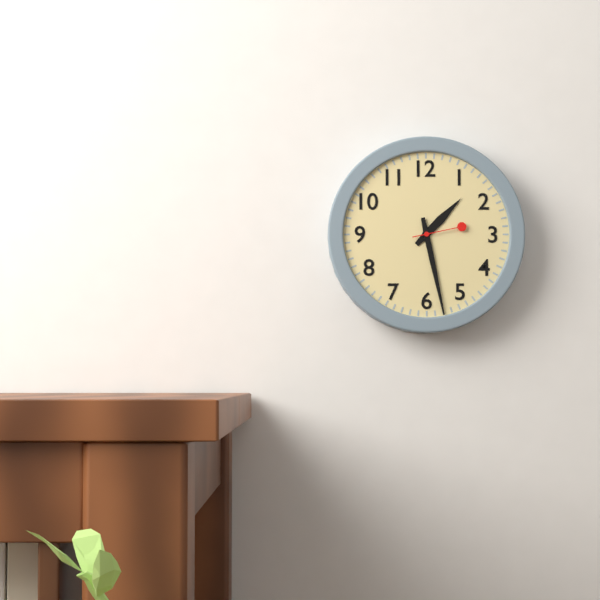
1.28.13
